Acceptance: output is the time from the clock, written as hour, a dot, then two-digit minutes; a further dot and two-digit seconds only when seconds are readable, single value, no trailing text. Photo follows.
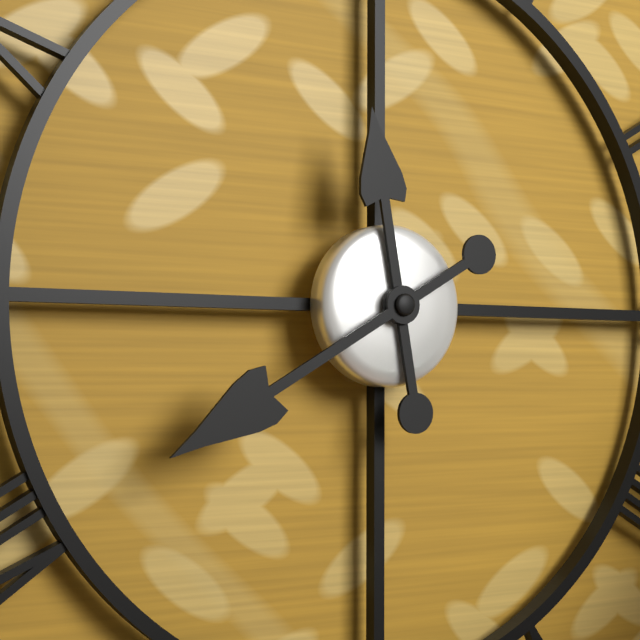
11.40
